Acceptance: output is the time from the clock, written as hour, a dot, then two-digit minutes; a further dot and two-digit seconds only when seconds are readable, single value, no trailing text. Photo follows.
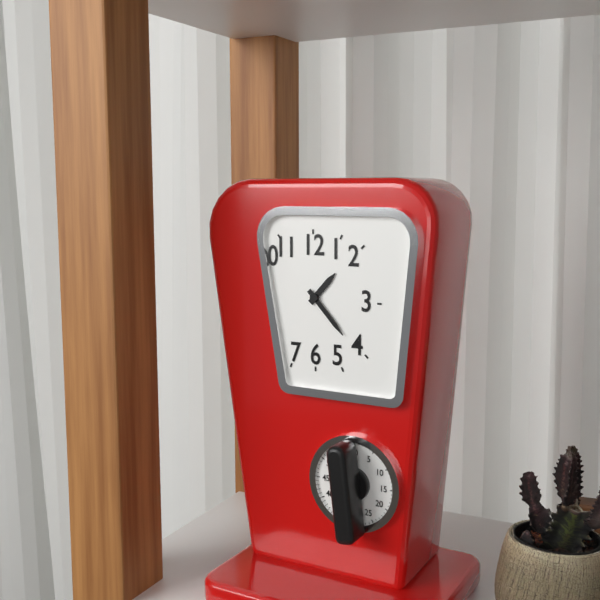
1.23
